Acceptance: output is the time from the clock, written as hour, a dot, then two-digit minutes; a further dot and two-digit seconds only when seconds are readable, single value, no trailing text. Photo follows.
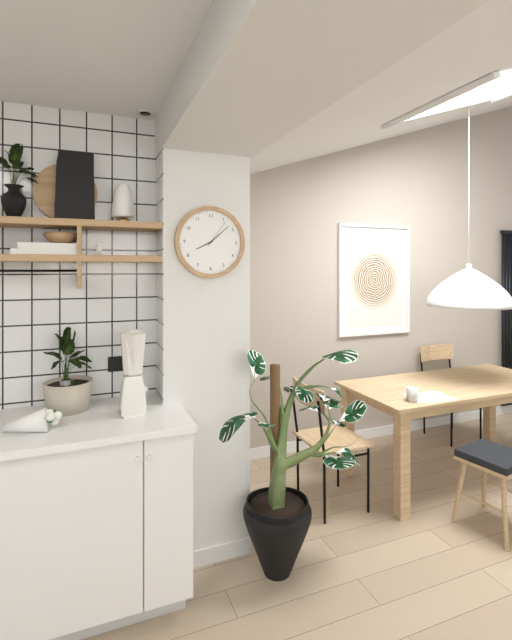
8.08
